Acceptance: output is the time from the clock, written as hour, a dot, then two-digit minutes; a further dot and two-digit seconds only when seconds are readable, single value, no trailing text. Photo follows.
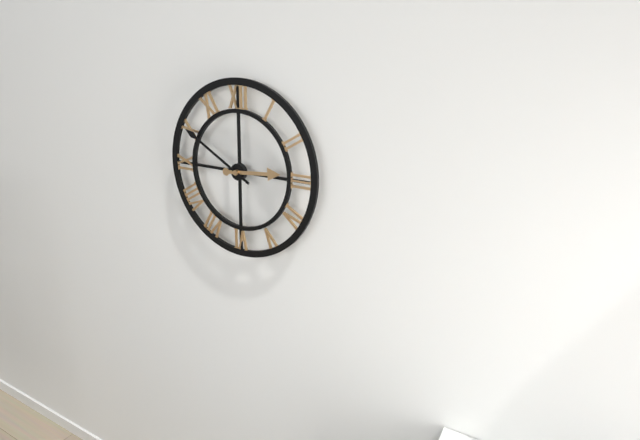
2.50
